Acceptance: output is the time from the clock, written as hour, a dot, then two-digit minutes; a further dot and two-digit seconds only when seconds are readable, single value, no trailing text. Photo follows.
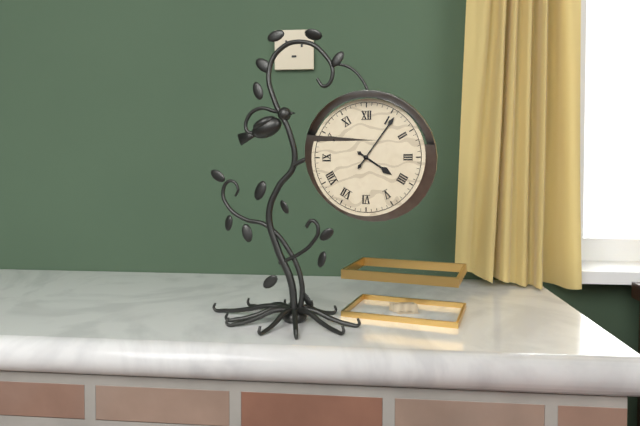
4.06
